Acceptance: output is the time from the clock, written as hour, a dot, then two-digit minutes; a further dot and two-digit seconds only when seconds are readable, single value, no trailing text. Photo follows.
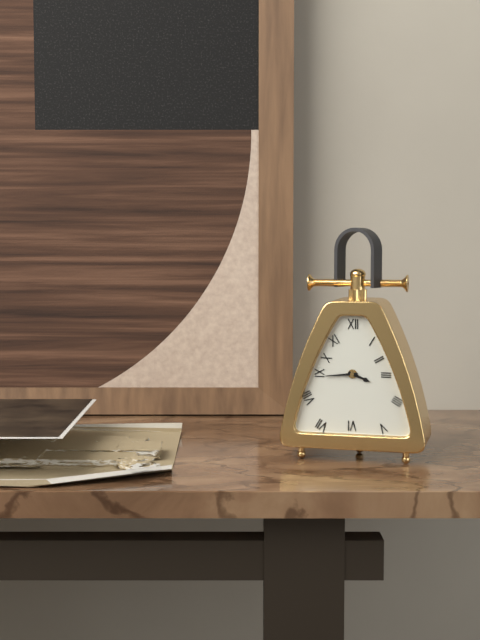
3.44
